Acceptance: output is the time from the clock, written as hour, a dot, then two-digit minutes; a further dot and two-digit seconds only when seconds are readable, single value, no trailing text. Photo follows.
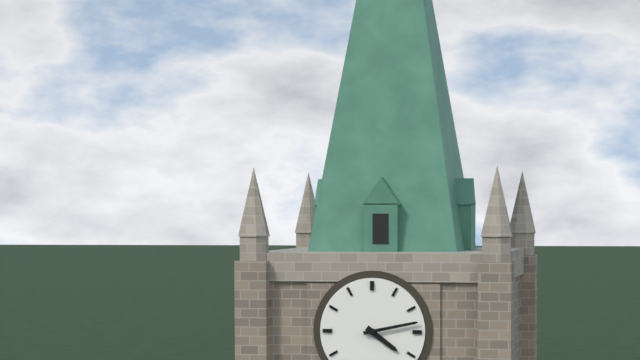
4.13
